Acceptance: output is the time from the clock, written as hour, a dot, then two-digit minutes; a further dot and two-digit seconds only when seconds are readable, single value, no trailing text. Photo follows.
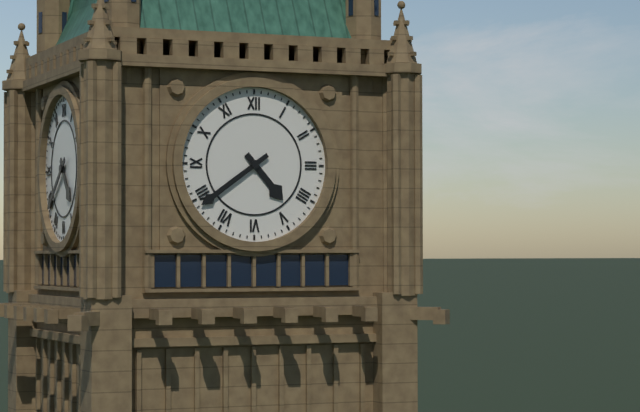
4.39
